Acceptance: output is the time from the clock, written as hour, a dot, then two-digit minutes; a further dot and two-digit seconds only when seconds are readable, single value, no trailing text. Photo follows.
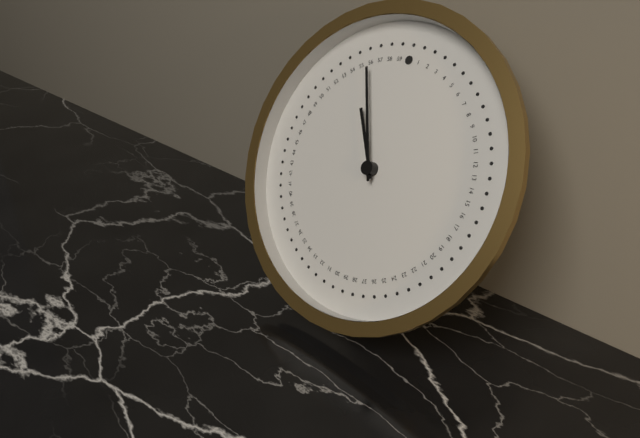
10.56
